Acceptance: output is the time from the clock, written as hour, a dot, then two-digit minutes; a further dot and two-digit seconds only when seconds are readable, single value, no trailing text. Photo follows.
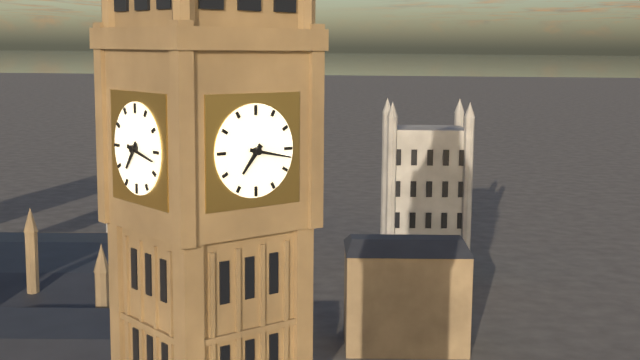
7.17
